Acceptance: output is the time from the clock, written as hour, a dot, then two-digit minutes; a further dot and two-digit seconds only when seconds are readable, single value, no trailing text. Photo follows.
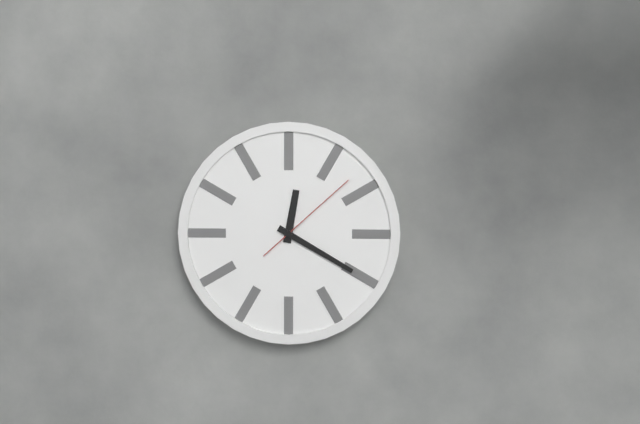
12.20.08
